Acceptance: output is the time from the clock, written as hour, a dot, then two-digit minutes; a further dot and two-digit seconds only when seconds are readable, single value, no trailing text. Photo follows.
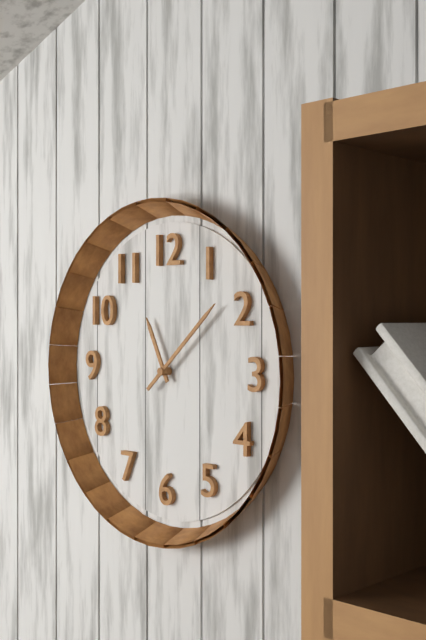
11.08
